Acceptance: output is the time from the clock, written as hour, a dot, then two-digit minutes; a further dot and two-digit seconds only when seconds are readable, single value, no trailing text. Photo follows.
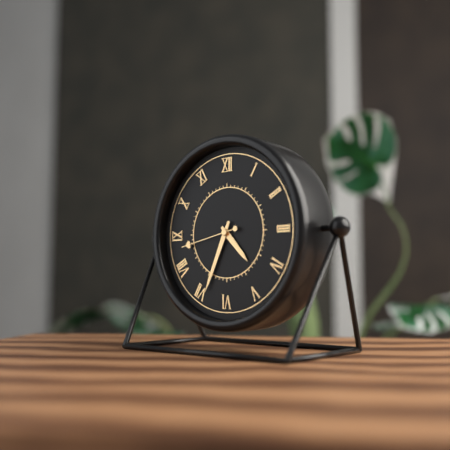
4.34.43
